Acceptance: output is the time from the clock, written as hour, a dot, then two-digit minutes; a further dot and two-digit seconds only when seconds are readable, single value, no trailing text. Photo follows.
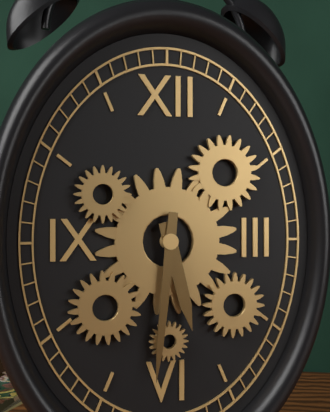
5.31
